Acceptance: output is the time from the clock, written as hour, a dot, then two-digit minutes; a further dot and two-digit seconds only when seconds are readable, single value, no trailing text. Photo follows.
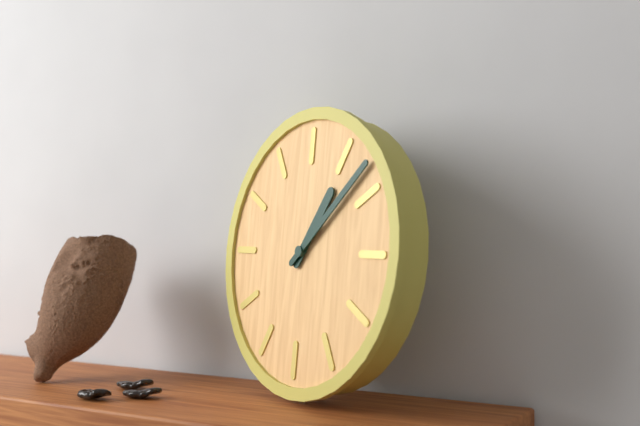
1.08
